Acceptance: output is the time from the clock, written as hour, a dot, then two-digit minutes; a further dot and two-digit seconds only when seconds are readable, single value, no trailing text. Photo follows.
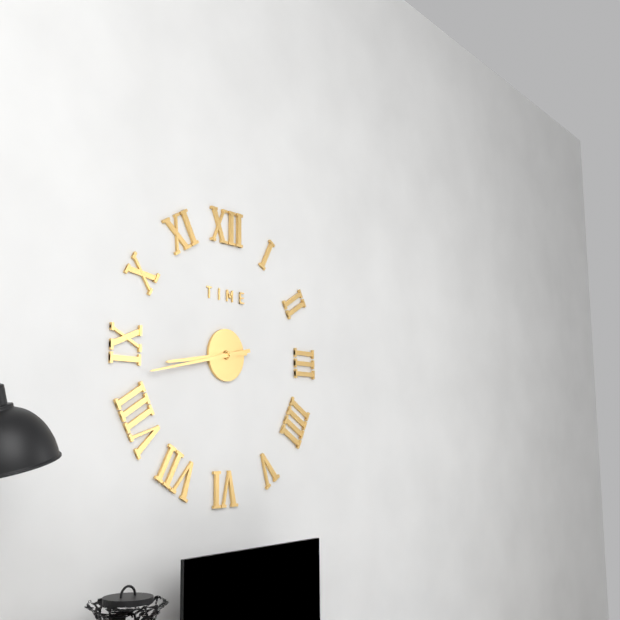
8.43
